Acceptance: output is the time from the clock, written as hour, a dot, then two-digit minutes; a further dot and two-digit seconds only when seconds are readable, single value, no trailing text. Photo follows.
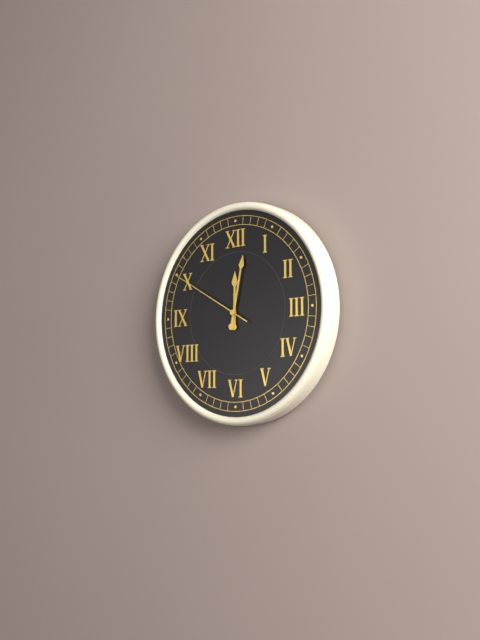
12.02.50
